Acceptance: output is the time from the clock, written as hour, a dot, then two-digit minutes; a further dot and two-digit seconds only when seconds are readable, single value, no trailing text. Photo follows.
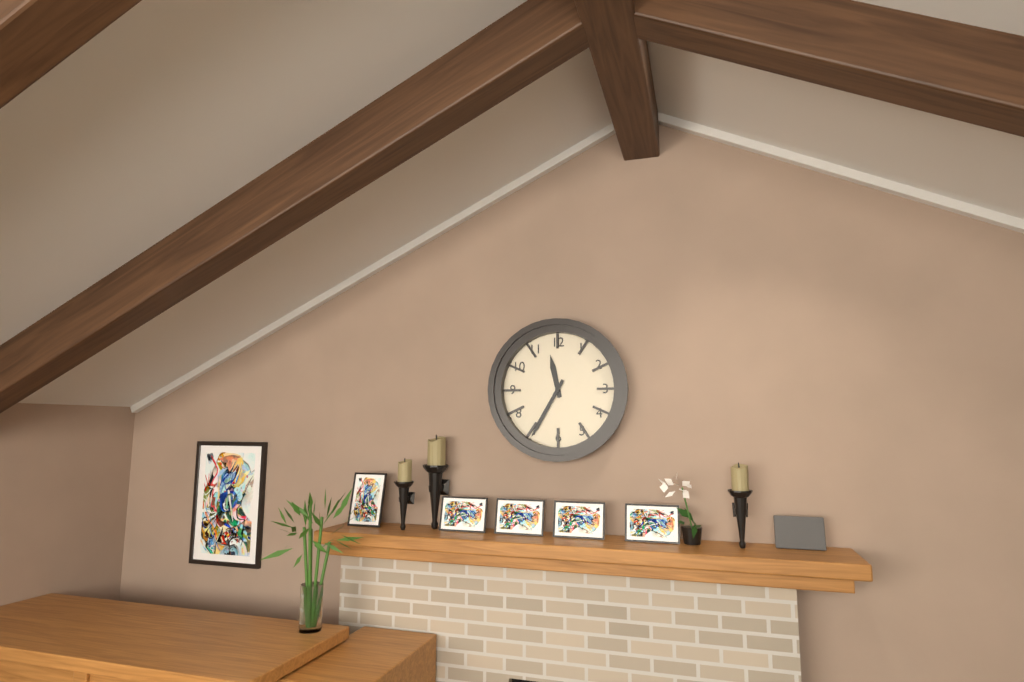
11.35
